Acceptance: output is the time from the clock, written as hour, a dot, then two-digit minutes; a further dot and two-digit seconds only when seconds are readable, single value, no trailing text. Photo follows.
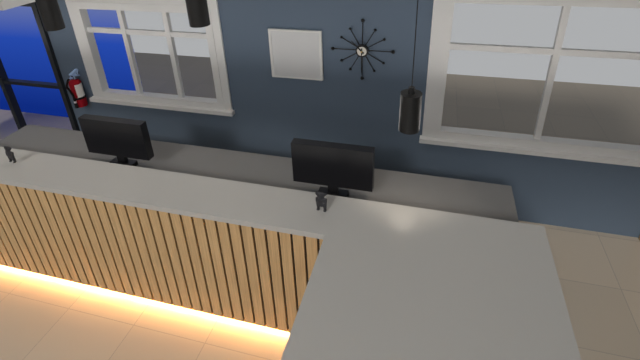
10.30
